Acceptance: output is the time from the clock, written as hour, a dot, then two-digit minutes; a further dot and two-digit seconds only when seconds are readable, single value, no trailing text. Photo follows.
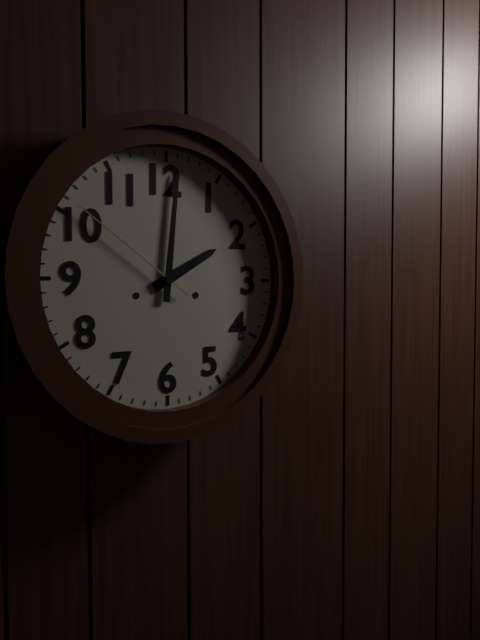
2.01.51
